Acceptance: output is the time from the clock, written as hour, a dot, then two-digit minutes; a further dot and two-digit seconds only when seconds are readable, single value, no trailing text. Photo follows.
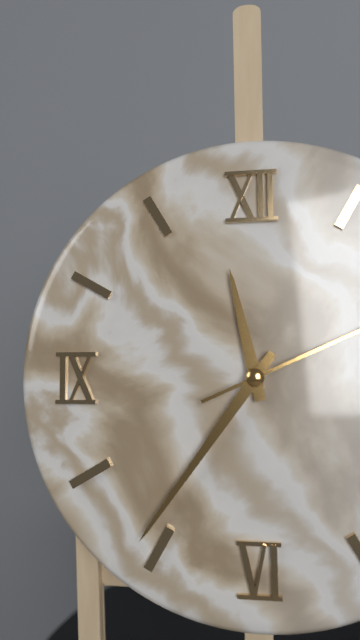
11.36
